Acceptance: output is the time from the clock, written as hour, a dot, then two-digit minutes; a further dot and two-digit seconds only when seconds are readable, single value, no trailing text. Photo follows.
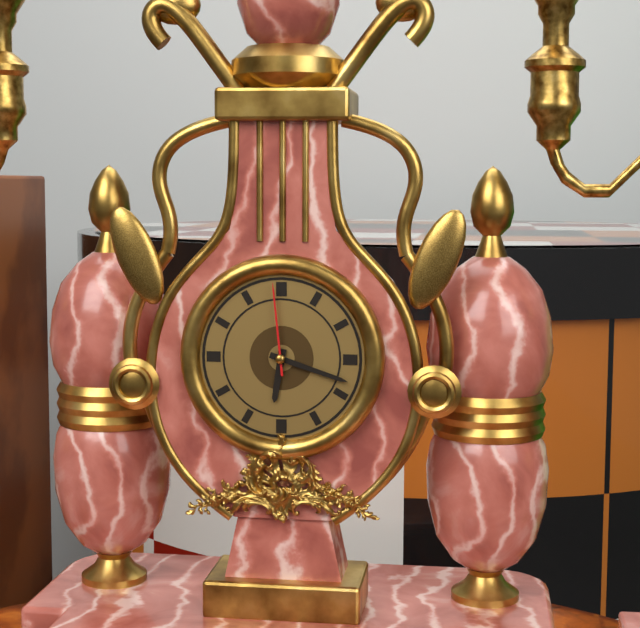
6.18.59
